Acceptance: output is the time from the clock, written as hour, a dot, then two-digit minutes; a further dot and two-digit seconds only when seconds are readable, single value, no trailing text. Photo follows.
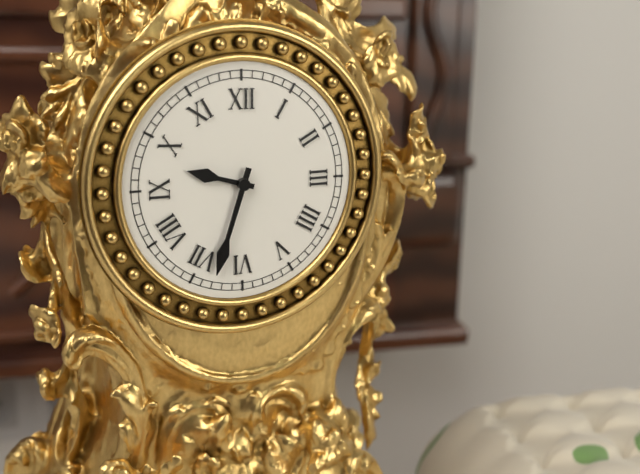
9.33
